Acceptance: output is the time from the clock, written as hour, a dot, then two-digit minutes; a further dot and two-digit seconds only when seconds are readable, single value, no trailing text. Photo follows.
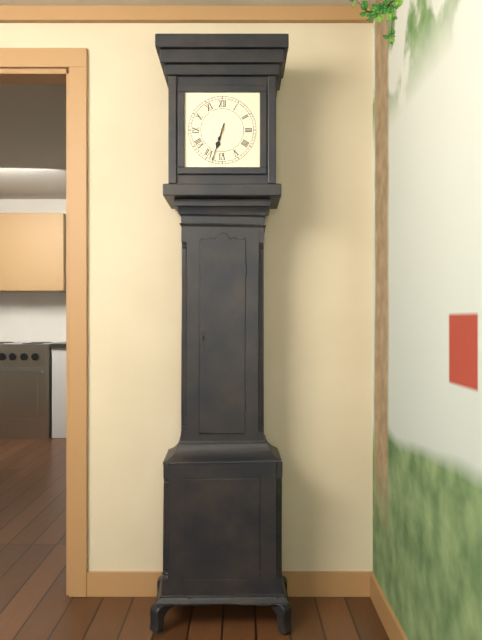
6.33
